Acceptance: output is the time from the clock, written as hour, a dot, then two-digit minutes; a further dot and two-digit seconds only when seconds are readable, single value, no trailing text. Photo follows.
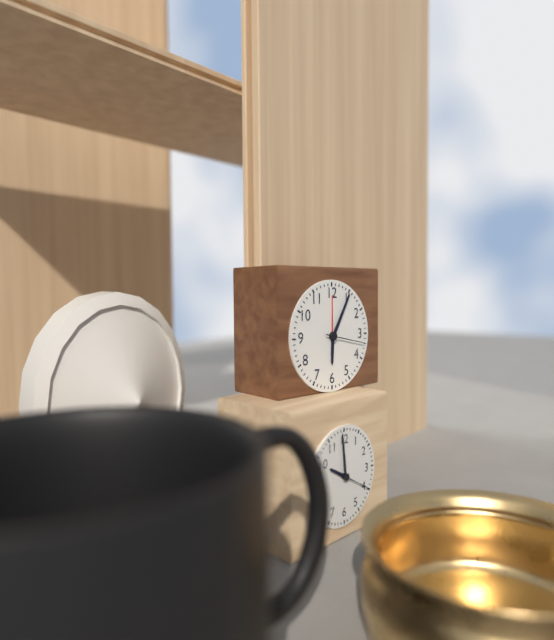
6.05
